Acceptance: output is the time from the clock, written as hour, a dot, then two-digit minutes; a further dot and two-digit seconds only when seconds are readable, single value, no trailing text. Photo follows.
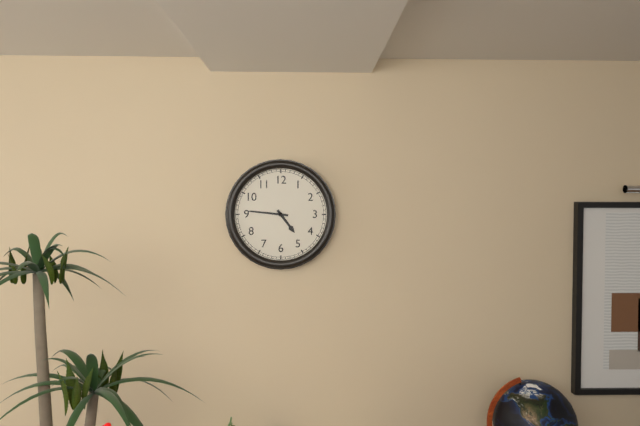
4.46
